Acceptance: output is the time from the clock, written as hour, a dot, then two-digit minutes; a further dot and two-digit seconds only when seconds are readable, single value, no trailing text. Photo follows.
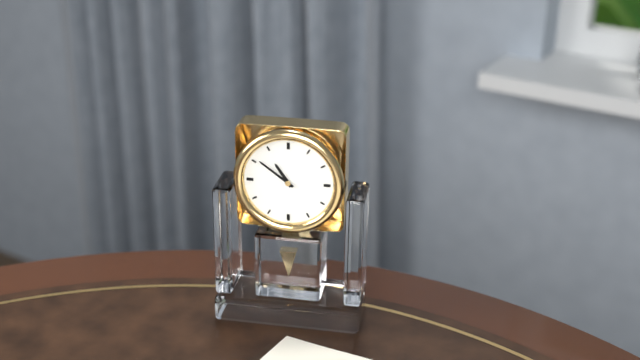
10.51
